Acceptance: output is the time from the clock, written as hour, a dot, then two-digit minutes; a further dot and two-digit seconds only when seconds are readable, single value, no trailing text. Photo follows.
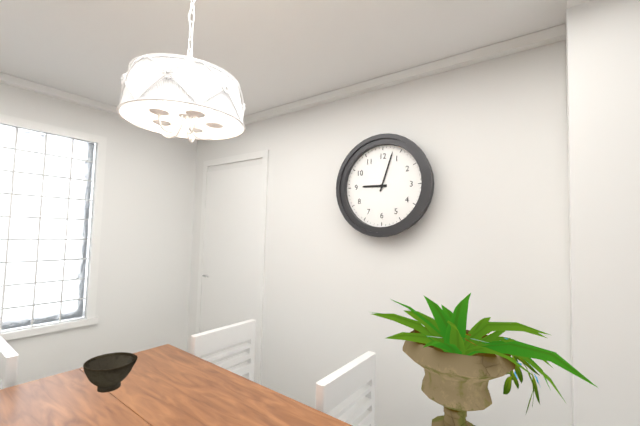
9.03
